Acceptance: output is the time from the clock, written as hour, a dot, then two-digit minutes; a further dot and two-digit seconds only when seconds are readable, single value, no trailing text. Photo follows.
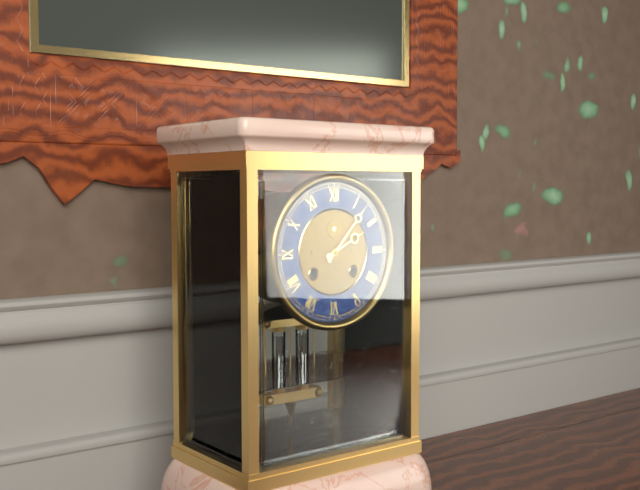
2.07
